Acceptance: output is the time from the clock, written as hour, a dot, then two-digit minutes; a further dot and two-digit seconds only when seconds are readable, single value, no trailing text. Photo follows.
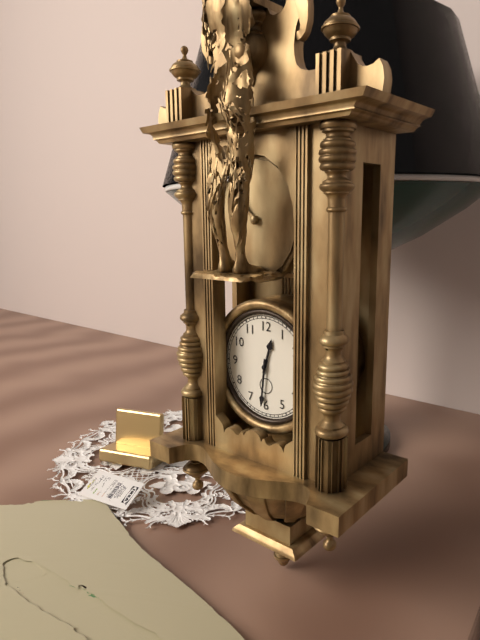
12.31
